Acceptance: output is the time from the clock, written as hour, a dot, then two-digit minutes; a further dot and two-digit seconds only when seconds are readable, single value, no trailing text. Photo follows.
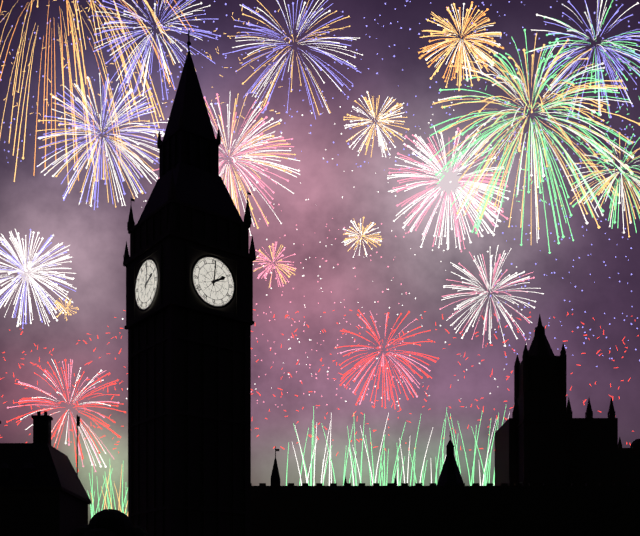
2.01
